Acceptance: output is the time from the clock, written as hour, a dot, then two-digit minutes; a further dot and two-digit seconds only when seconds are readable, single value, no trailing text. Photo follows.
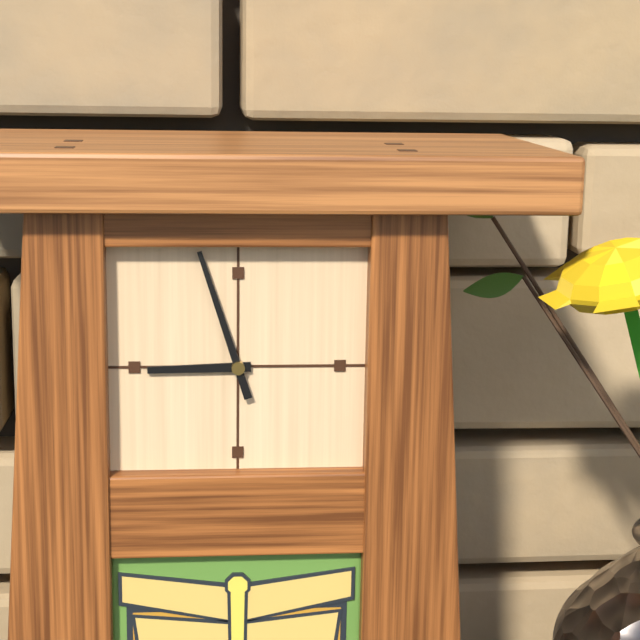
8.57
